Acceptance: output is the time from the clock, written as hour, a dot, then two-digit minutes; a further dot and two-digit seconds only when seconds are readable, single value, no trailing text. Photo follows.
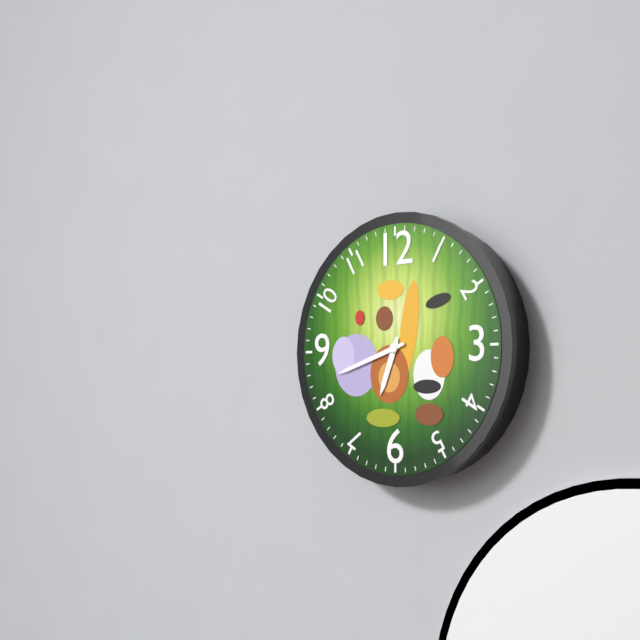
6.42
